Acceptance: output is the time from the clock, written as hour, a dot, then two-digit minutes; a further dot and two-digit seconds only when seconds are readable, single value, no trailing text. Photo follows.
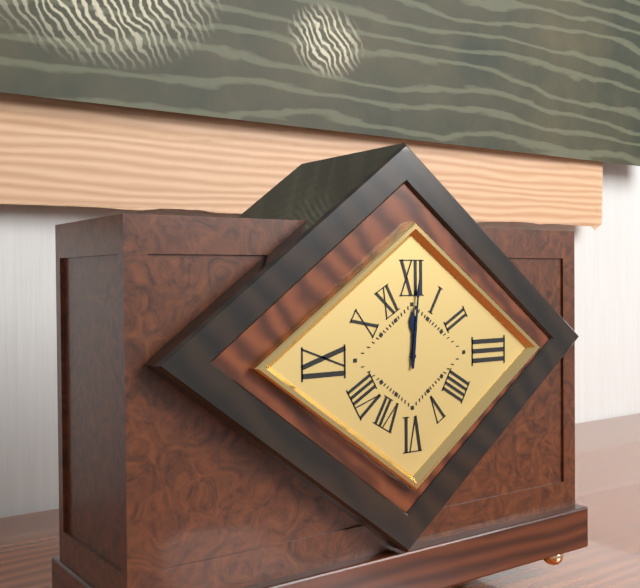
12.01
